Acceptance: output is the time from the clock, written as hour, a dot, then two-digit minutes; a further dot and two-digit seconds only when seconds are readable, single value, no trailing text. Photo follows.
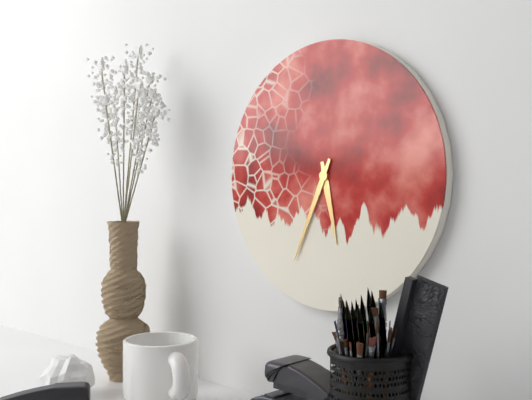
5.34
